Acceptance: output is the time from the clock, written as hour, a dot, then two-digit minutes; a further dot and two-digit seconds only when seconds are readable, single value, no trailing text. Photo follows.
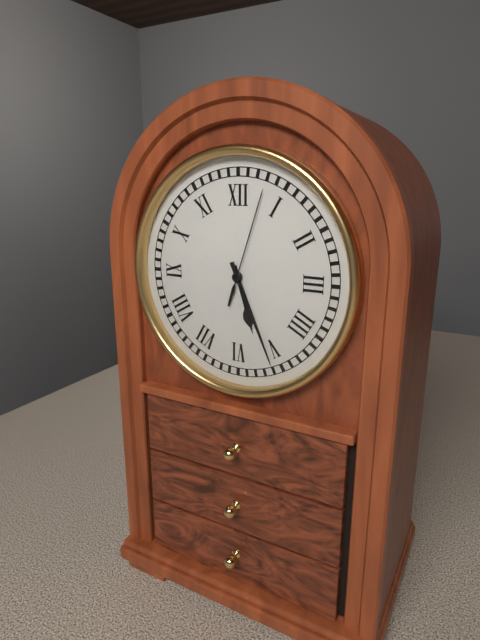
5.26.03
